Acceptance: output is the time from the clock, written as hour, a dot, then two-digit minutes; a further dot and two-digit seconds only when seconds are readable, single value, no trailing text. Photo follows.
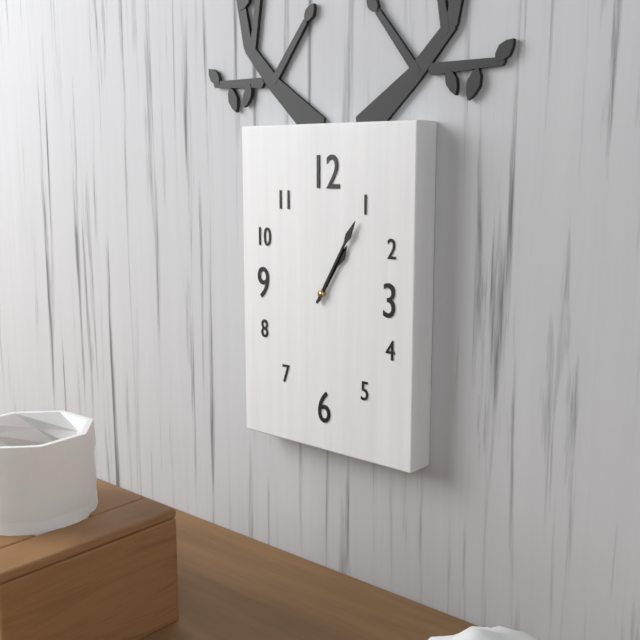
1.05
